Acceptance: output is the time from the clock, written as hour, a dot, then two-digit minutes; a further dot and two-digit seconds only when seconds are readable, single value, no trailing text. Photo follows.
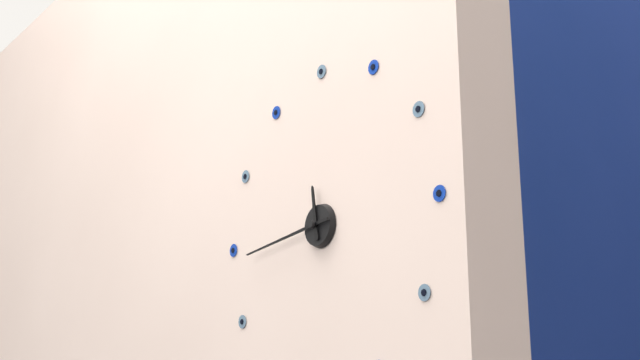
11.44
